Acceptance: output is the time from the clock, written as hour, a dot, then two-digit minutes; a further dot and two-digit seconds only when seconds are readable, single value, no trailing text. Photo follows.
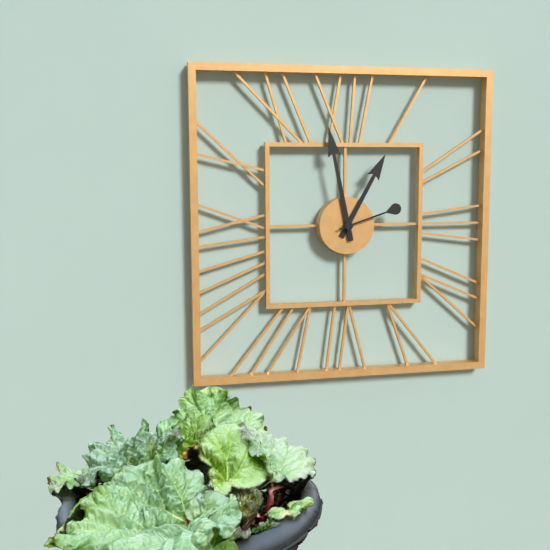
12.58.12
